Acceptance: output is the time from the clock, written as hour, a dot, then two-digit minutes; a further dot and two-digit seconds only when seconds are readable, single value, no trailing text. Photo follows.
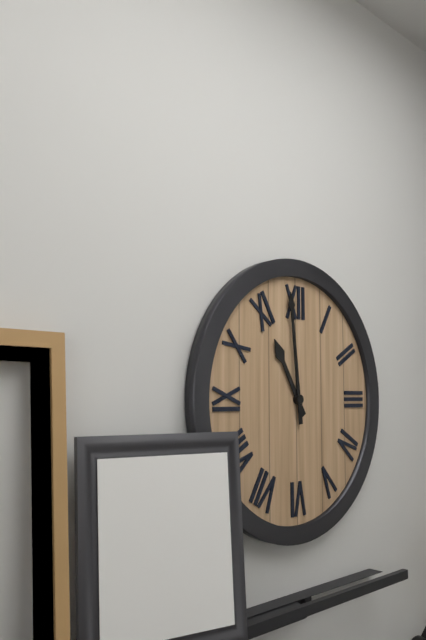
10.59
